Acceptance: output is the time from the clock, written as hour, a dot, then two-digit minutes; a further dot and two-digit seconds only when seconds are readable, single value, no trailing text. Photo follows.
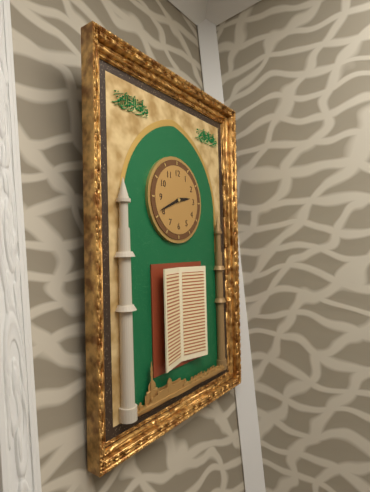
2.41
